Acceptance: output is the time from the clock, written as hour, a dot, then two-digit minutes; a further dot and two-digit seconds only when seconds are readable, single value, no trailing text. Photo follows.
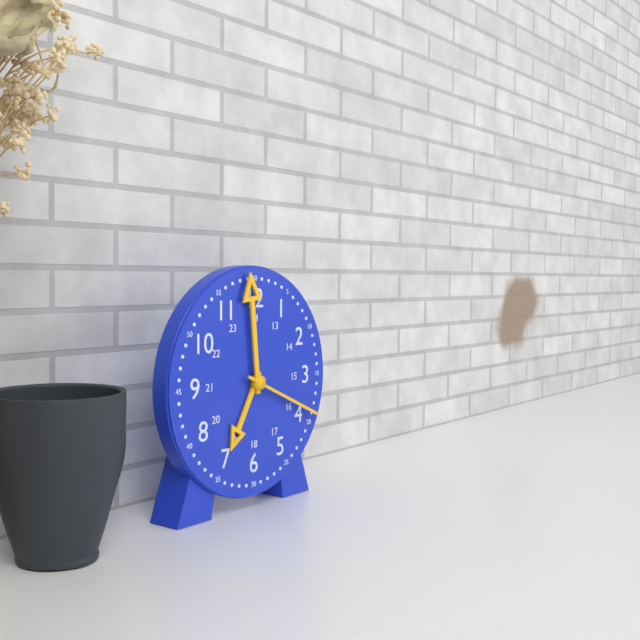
6.59.19
